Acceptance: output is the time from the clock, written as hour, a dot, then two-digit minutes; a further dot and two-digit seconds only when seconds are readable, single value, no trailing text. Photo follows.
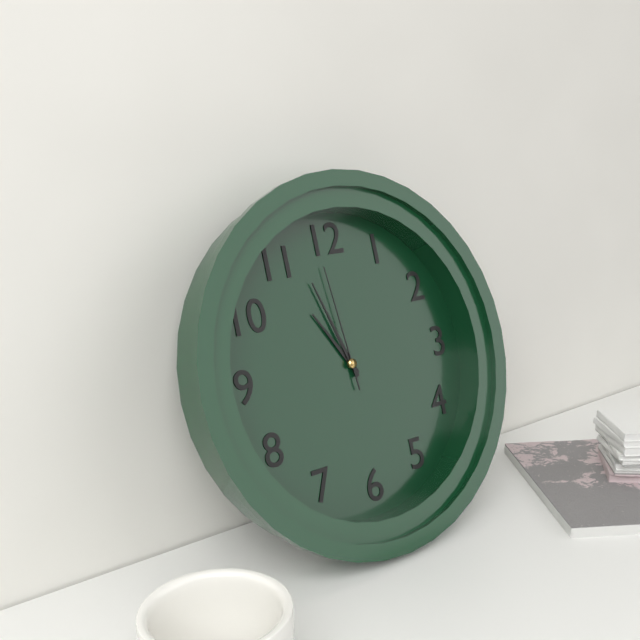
10.57.59
